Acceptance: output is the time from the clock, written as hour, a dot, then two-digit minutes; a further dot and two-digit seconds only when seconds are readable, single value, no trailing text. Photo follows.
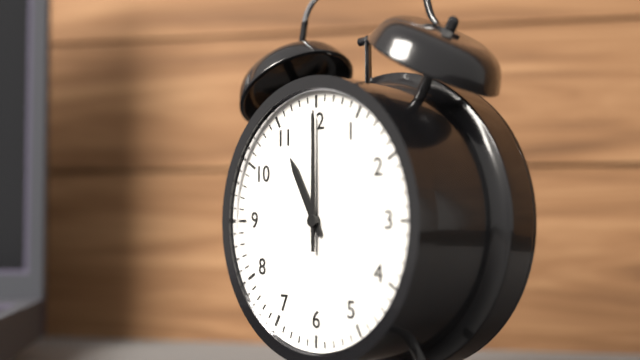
11.00
